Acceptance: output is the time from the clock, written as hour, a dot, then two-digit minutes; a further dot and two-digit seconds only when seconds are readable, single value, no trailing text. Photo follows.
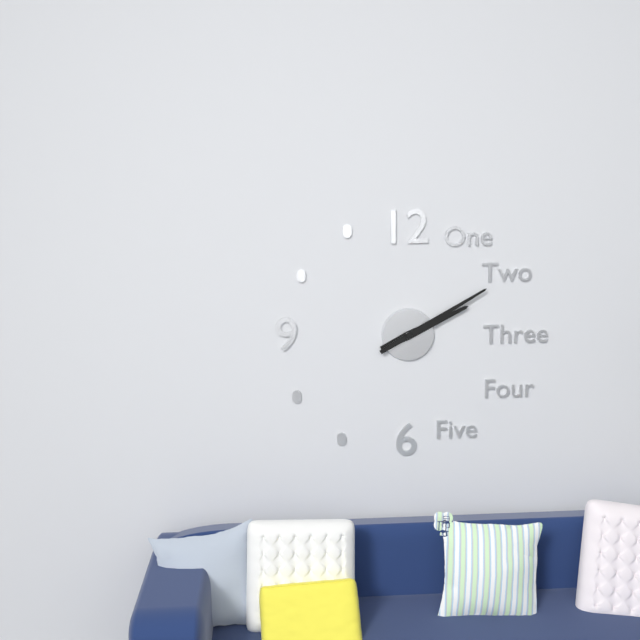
2.10
